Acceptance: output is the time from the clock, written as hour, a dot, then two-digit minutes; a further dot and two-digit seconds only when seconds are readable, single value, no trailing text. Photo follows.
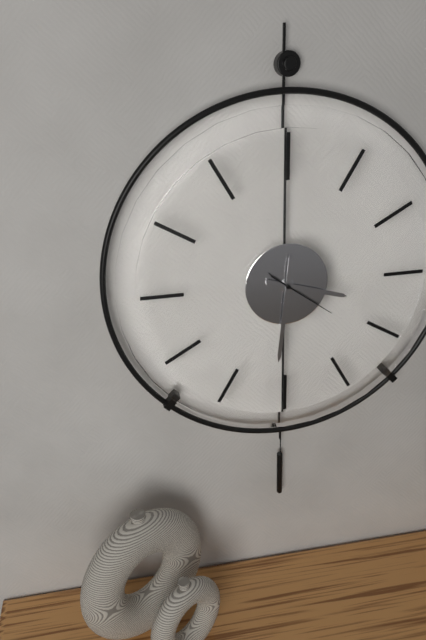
3.31.21
